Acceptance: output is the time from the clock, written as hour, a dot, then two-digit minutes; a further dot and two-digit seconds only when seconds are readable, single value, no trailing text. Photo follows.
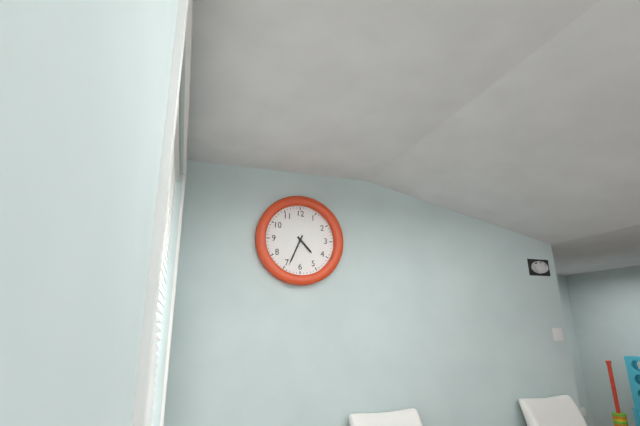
4.34
